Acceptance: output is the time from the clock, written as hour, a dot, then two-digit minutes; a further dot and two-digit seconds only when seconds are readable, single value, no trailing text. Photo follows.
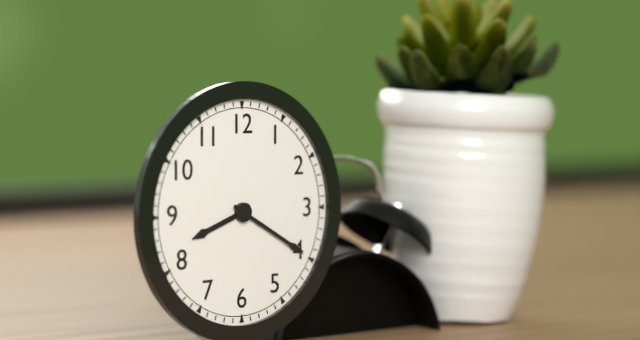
8.20
